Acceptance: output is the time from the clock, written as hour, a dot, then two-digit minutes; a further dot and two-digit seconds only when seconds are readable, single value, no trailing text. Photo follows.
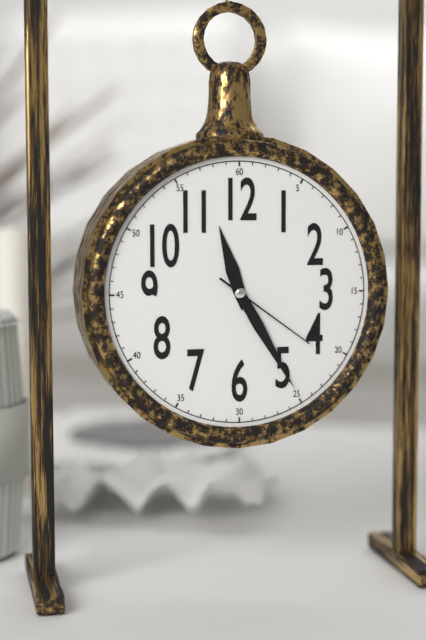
11.25.21
